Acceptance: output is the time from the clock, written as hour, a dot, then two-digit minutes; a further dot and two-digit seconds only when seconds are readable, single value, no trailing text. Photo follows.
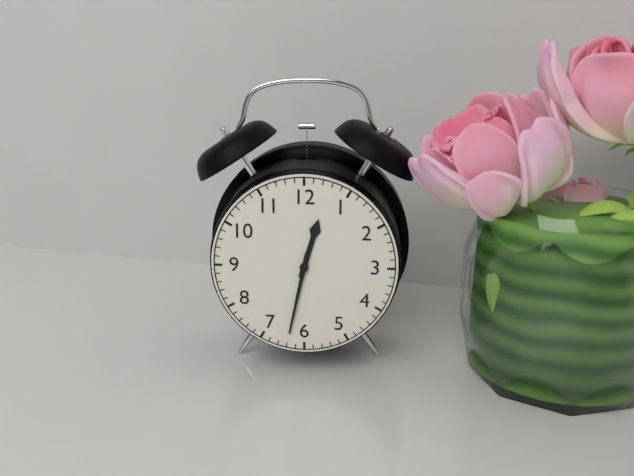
12.32
